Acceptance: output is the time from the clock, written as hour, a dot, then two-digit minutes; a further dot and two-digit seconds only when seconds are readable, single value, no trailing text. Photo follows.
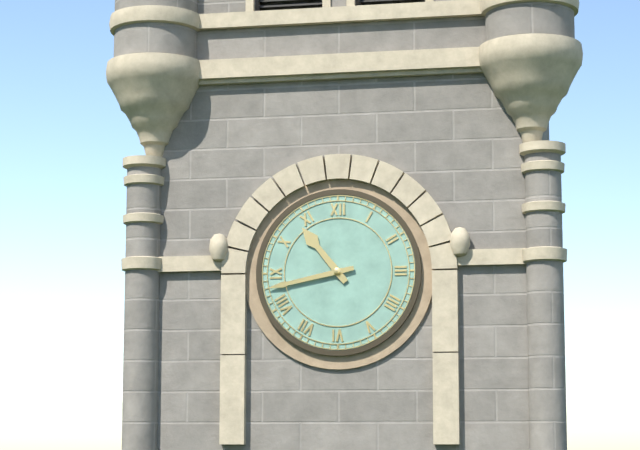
10.43
